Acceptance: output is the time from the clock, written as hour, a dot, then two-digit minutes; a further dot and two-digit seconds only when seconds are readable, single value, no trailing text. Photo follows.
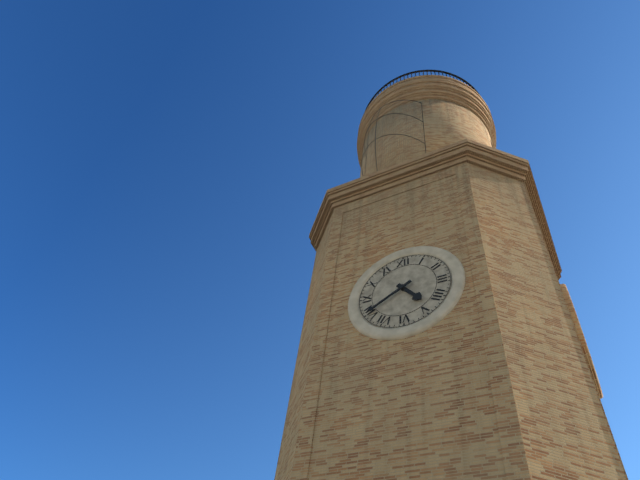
4.40
